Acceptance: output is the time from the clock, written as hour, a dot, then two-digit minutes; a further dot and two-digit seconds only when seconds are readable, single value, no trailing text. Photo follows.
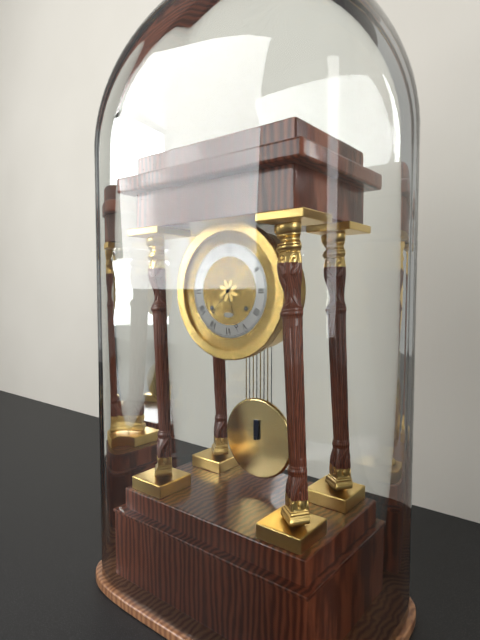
7.27
